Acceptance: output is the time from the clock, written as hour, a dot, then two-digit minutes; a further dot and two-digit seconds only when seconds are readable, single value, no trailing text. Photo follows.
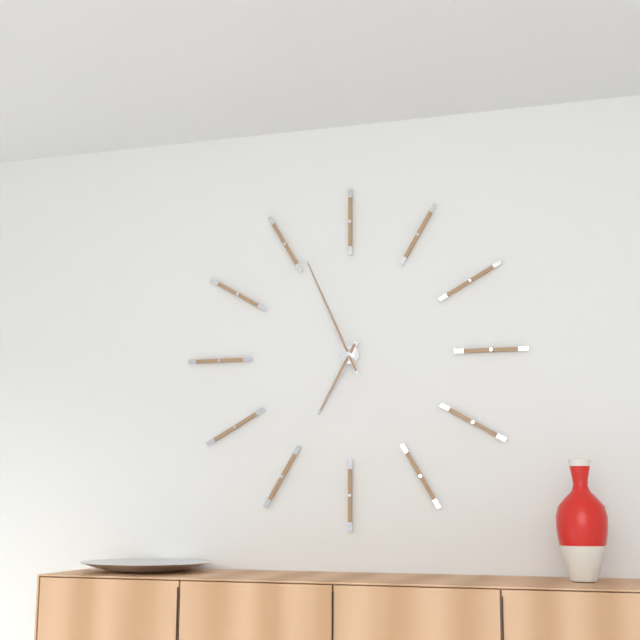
6.56
